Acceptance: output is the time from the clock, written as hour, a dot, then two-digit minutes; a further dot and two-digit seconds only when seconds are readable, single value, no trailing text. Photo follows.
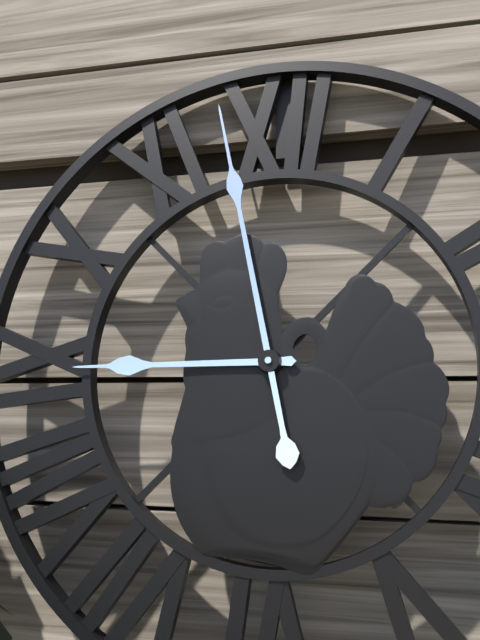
8.58
